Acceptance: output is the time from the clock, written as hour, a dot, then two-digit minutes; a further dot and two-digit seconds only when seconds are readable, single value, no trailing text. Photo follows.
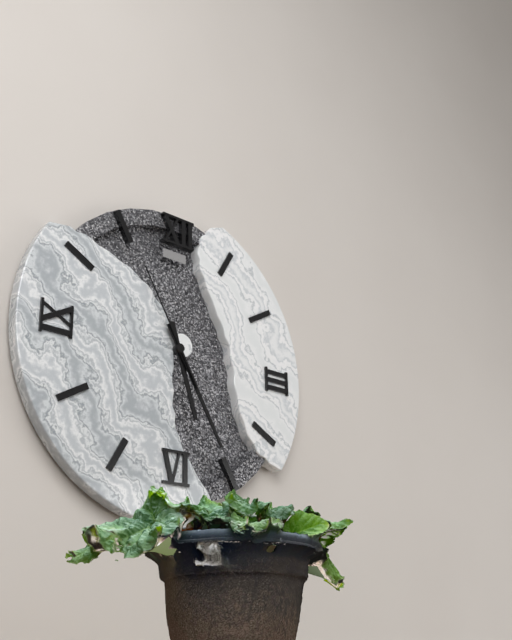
5.25.55
